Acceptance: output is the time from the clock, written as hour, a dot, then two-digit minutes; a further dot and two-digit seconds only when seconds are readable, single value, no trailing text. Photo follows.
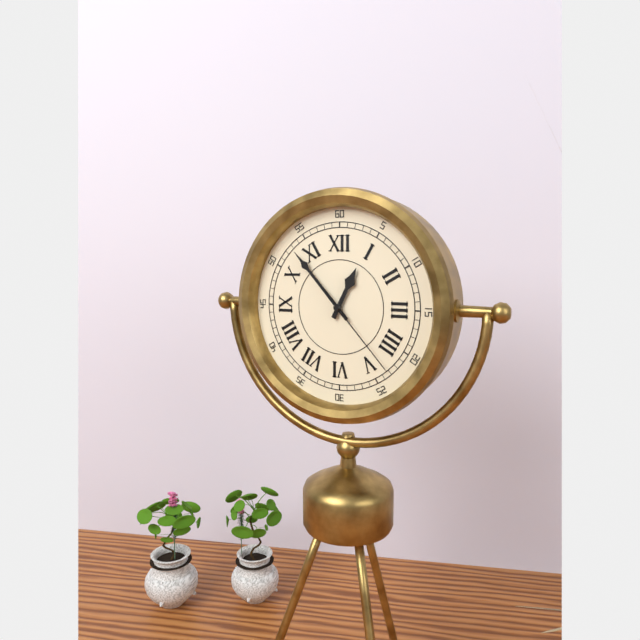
12.53.23
